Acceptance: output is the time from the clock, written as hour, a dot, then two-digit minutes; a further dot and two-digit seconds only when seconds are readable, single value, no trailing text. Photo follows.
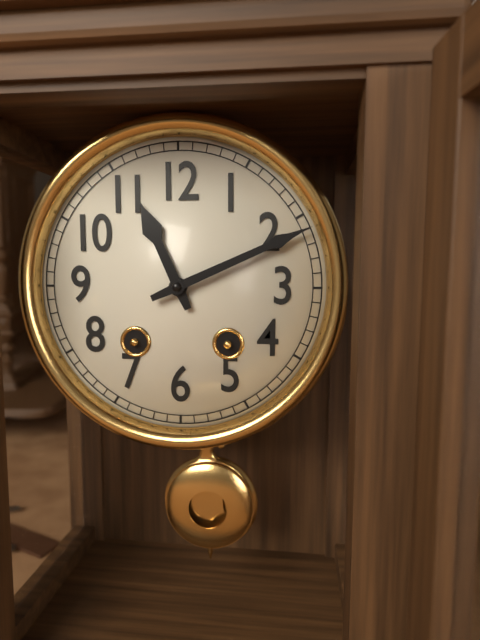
11.11
